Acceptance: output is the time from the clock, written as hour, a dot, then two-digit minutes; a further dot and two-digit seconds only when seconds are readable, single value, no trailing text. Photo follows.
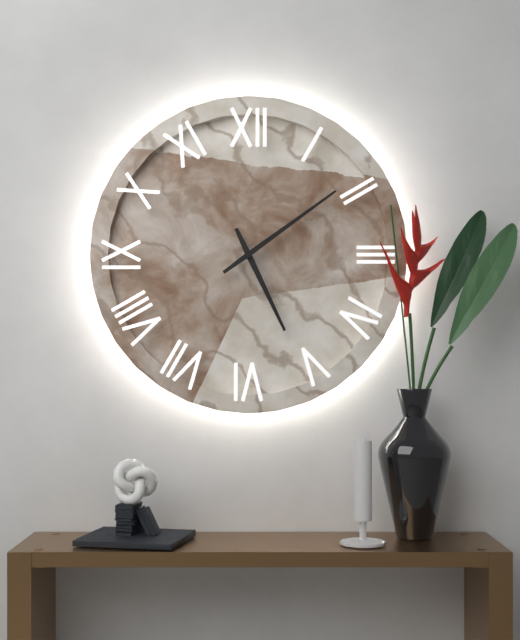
5.09
